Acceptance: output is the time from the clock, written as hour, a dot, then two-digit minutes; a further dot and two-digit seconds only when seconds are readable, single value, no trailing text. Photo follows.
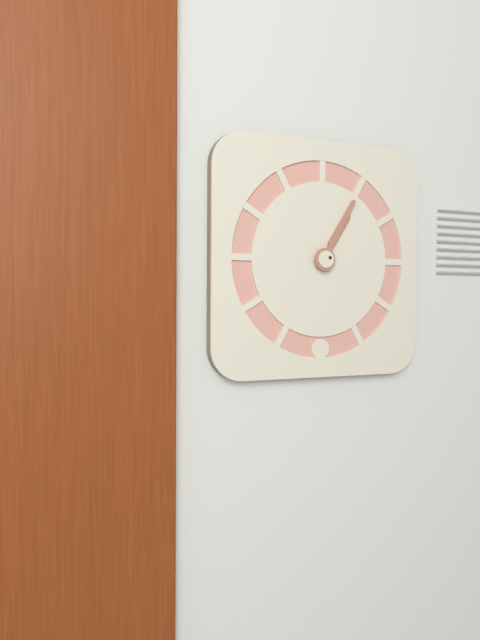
1.05
